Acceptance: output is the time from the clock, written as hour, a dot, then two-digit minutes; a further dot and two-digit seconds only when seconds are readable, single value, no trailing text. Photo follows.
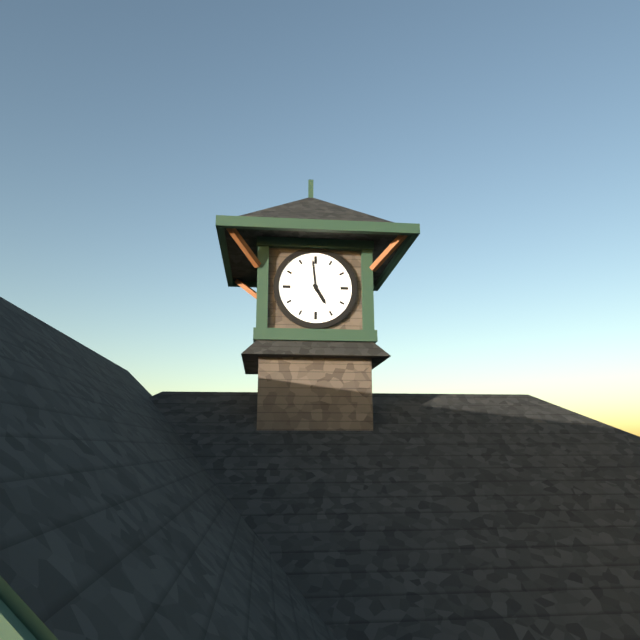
4.59
